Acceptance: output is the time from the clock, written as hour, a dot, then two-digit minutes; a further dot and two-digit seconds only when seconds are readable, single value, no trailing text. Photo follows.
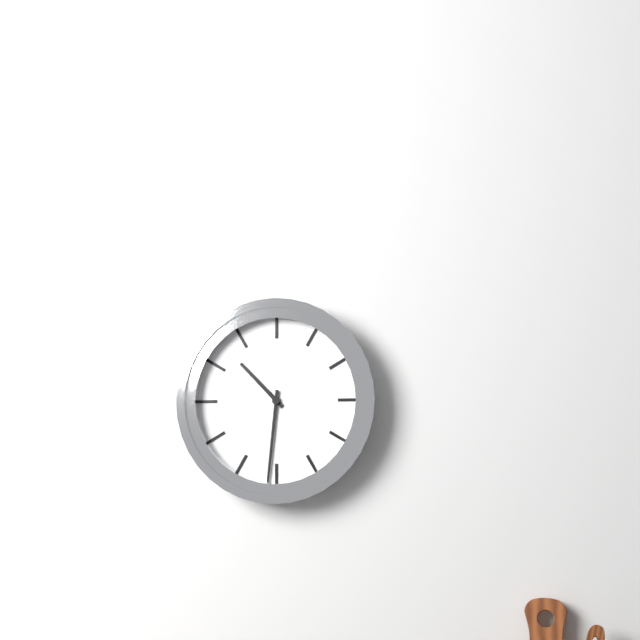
10.31
